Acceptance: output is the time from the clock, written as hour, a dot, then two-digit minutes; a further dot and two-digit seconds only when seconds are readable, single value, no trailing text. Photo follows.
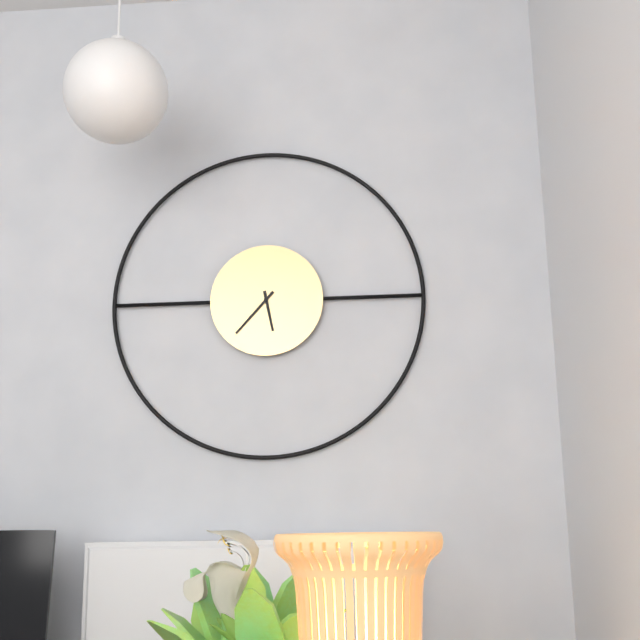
5.37
